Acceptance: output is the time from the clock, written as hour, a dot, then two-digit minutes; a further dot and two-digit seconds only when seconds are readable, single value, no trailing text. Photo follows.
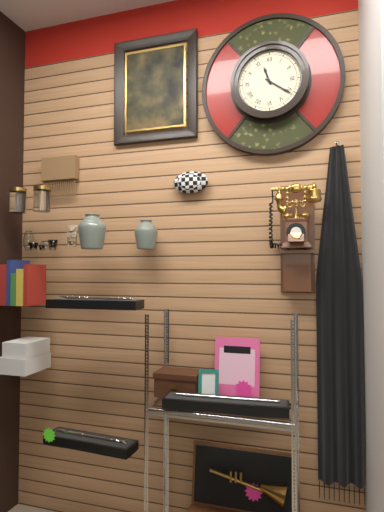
11.21
